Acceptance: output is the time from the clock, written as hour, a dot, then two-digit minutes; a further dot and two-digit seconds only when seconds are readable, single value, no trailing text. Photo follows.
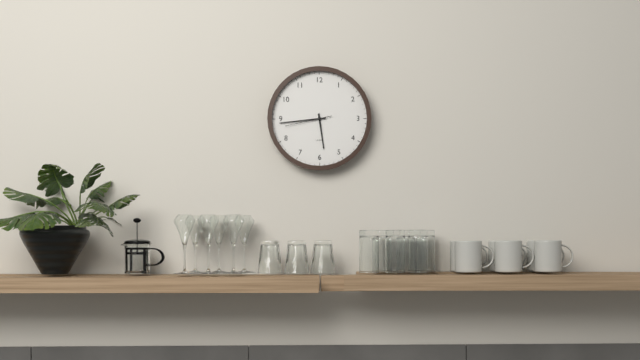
5.44
